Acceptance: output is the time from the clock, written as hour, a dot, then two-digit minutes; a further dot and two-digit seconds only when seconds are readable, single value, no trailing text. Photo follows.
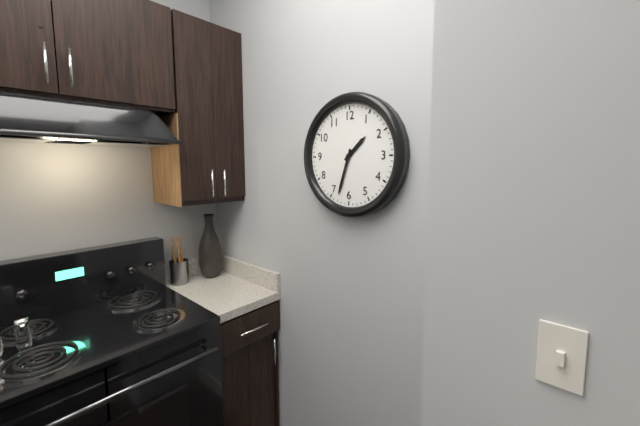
1.33
